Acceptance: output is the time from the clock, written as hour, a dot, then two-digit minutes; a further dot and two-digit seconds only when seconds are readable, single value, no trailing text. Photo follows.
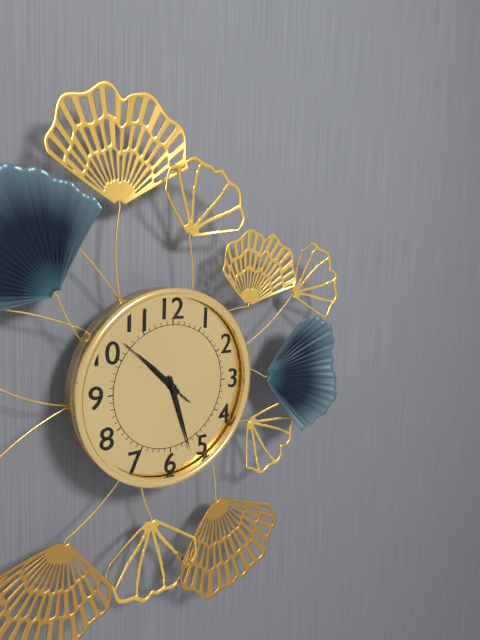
10.27.52
